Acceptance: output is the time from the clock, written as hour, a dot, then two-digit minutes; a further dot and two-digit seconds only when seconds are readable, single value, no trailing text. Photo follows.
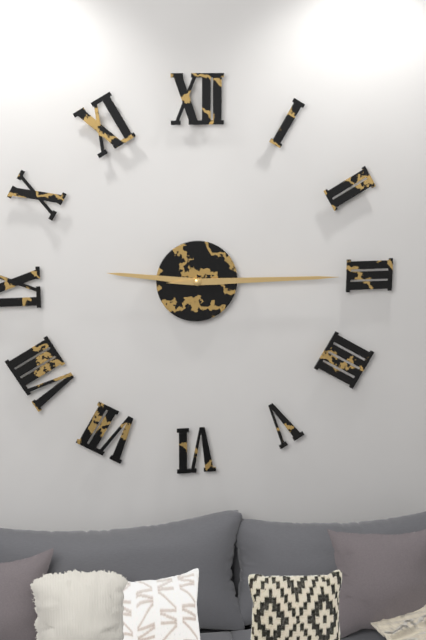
9.15
